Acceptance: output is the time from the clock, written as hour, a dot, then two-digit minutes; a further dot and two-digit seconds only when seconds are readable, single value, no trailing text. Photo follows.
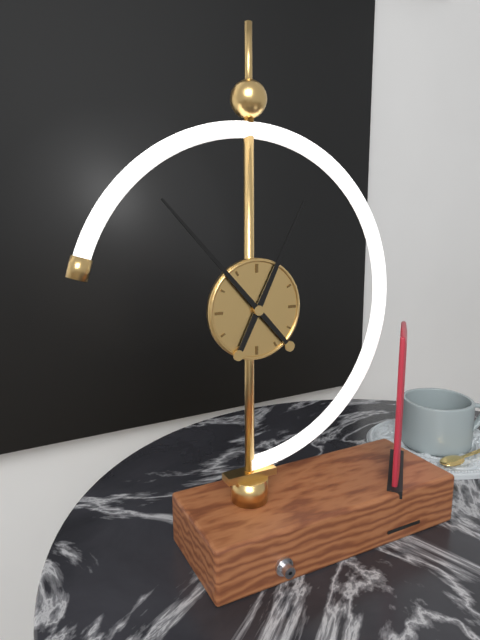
12.53
